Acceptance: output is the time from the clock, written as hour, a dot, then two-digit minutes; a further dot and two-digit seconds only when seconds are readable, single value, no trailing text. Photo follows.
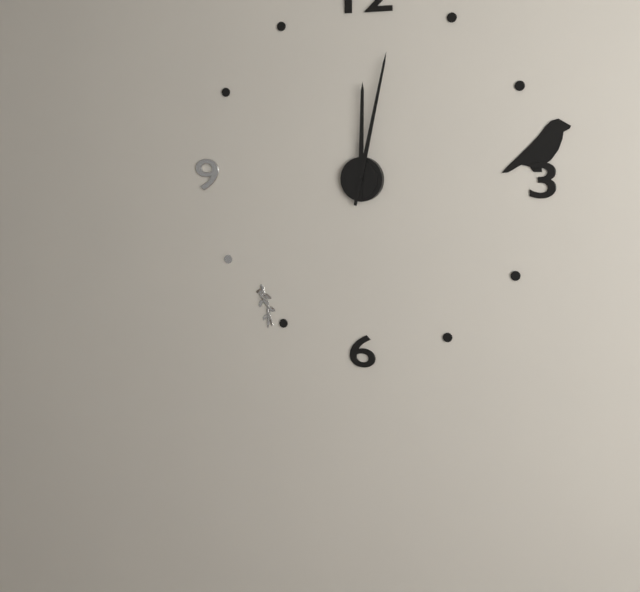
12.02
